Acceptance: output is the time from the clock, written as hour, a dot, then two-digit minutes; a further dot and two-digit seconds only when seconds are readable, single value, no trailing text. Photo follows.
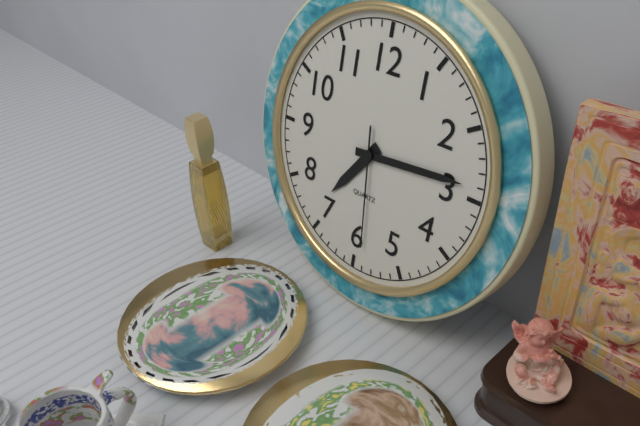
7.14.29
